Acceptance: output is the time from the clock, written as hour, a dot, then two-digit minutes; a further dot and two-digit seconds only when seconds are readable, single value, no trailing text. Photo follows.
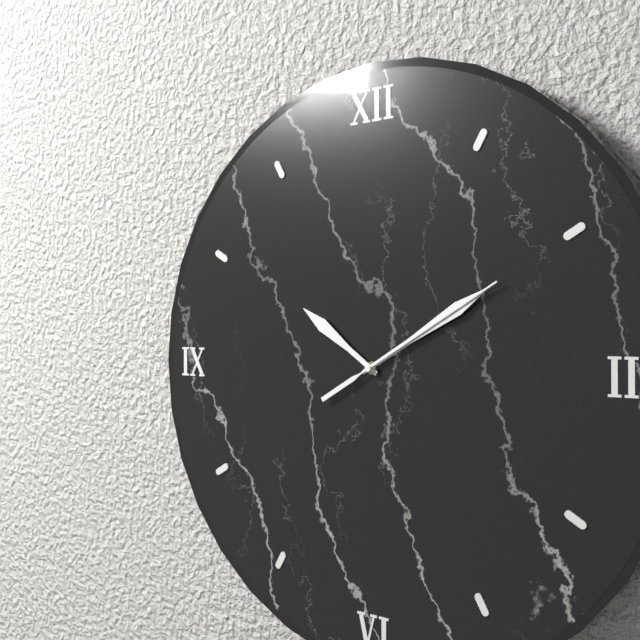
10.10.10
